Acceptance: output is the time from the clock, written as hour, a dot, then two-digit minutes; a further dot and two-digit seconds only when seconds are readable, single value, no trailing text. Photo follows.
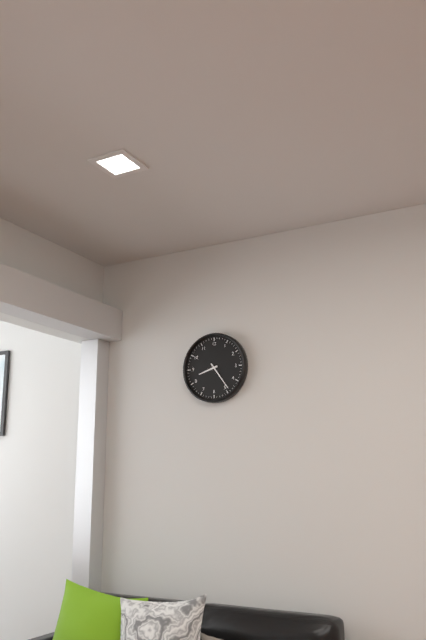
8.24
